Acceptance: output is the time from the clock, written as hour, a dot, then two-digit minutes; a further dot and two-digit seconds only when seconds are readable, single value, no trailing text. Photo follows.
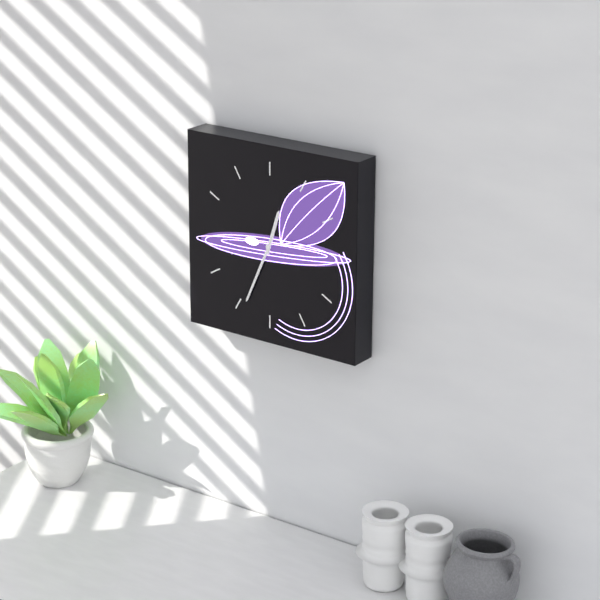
12.34
